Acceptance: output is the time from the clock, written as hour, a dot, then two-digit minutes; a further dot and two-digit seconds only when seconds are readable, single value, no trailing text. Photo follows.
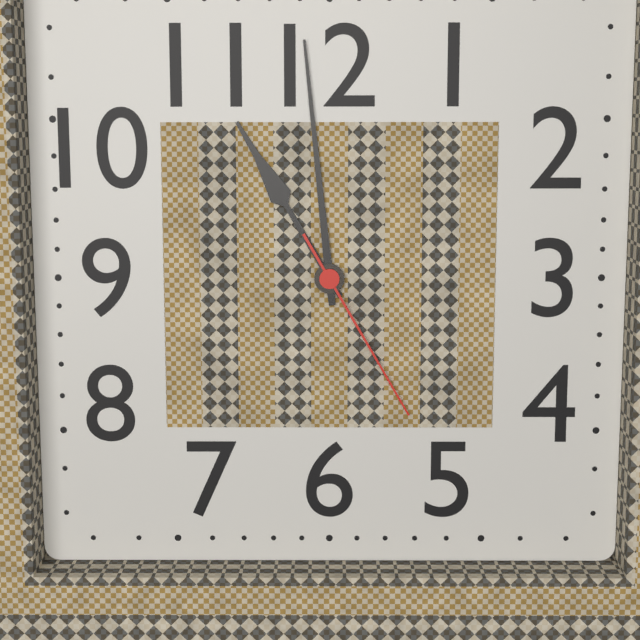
10.59.25
